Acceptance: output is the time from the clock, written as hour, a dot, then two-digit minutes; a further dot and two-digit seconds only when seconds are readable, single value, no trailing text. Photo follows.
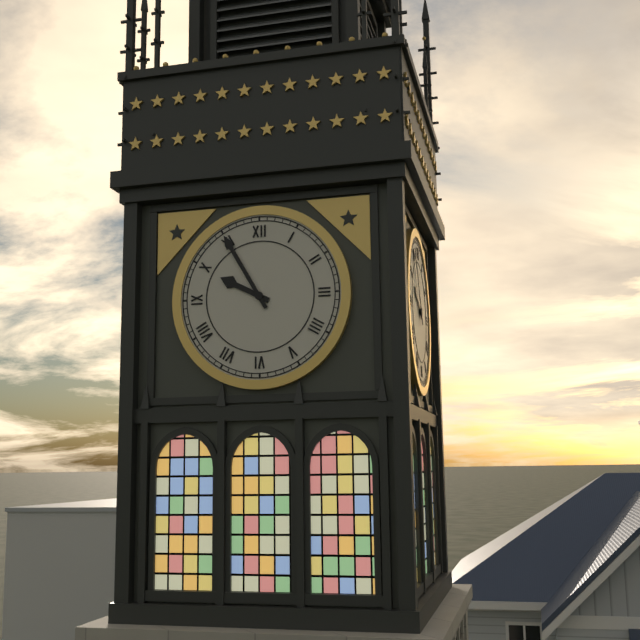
9.55
